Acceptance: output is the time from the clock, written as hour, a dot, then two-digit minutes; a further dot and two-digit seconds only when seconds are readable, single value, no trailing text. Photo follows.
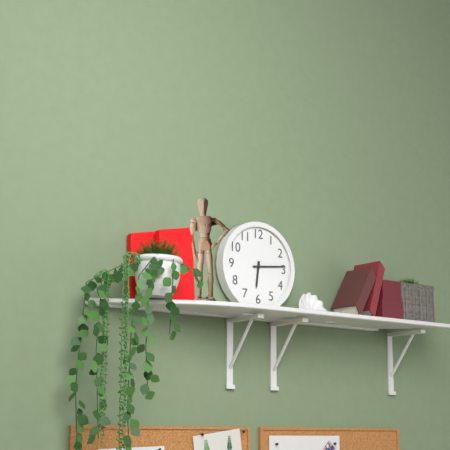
6.14
